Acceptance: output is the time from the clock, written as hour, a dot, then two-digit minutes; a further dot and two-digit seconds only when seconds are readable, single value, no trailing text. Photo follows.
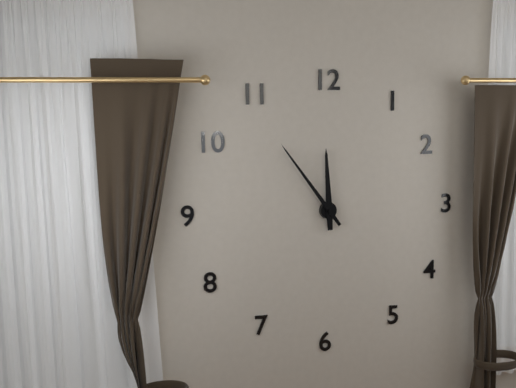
11.54
